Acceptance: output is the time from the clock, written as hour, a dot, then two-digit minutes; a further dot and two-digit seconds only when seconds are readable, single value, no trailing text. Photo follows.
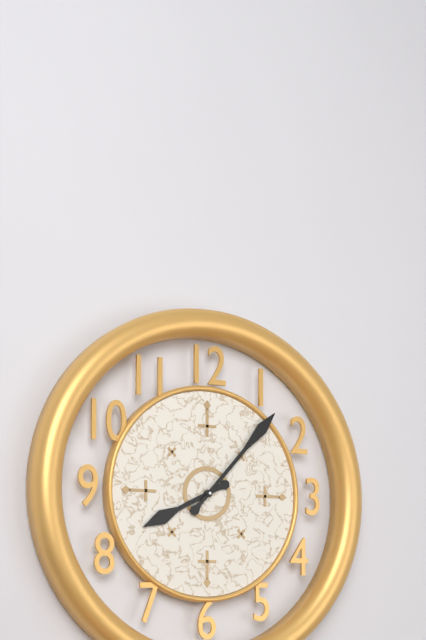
8.07
